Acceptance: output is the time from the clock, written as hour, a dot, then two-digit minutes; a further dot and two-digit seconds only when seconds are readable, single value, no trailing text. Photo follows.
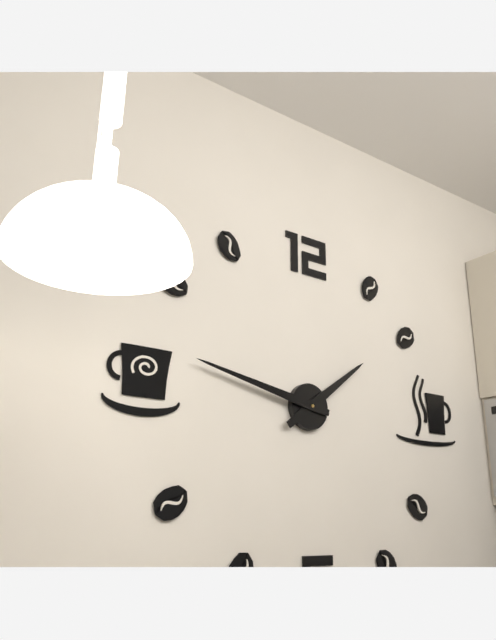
1.47
